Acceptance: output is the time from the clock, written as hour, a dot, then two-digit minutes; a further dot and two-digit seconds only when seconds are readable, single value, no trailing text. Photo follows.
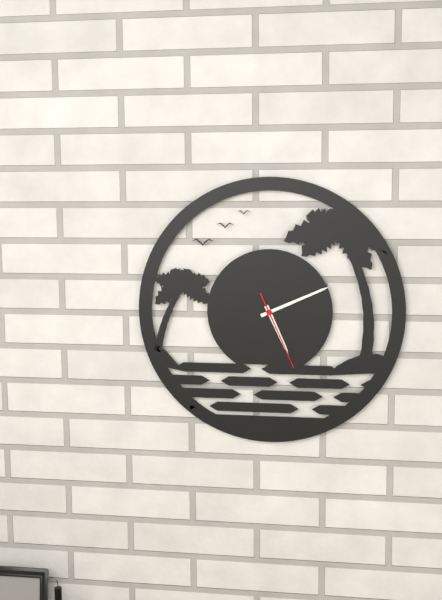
5.11.26
